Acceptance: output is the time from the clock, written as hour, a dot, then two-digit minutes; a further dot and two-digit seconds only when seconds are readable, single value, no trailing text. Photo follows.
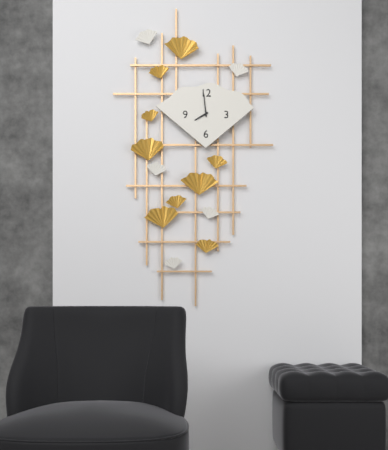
7.59
